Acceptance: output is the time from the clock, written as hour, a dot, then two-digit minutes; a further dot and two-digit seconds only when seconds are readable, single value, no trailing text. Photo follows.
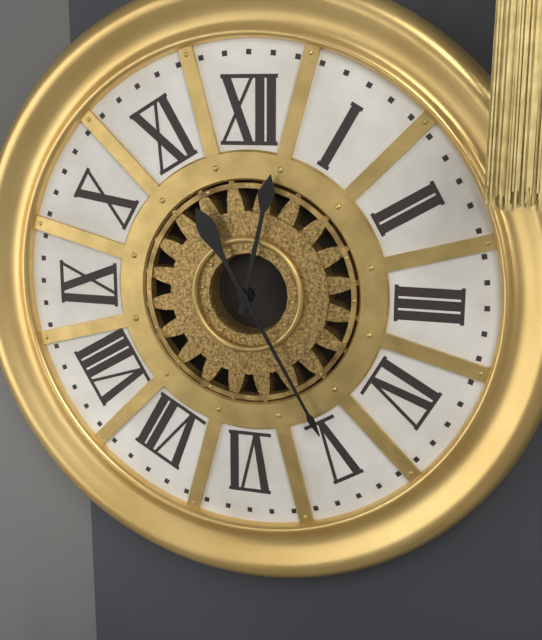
12.25
